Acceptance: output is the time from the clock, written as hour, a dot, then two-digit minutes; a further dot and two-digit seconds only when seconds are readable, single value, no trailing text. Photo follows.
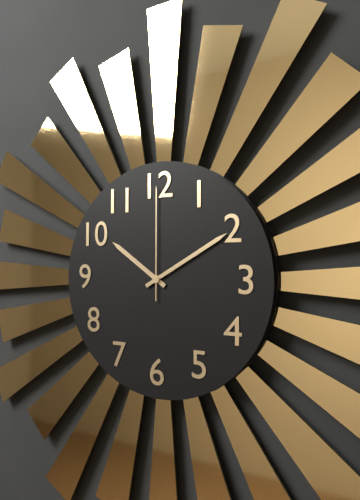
10.10.00
